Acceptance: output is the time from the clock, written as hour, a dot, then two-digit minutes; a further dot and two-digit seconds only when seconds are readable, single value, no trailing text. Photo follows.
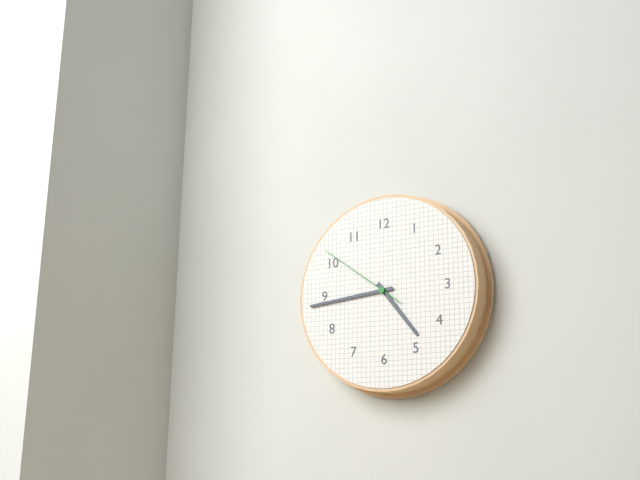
4.44.51
